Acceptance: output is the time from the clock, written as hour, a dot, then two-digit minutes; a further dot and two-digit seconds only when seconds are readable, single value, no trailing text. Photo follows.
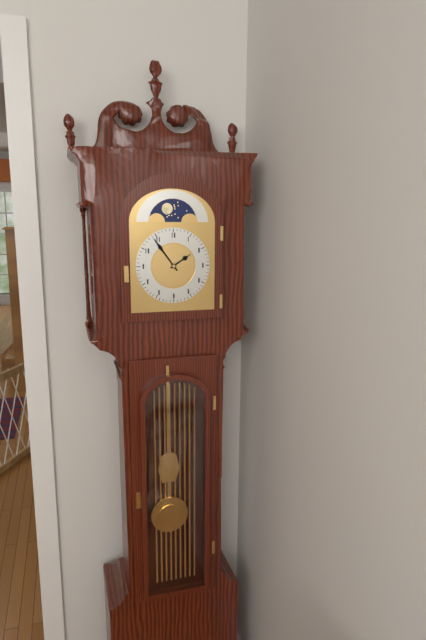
1.54
